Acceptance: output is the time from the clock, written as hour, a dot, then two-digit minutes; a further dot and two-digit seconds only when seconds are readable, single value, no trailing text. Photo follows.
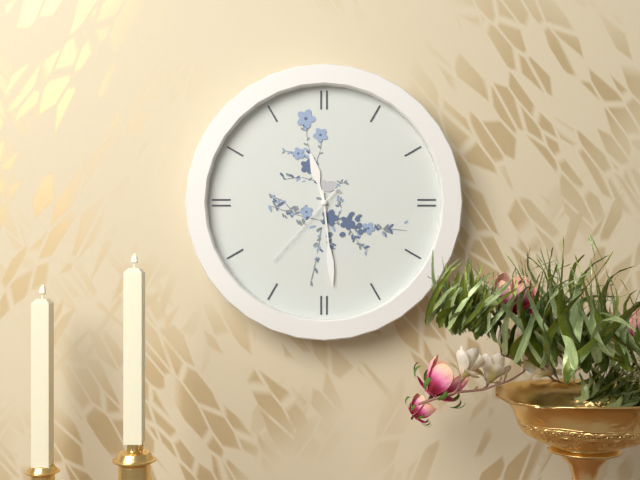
11.29.37
